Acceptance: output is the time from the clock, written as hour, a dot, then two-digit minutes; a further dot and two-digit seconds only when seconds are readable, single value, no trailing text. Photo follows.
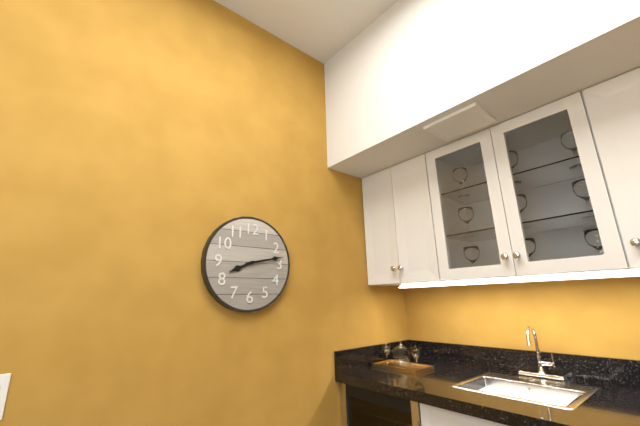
8.13
